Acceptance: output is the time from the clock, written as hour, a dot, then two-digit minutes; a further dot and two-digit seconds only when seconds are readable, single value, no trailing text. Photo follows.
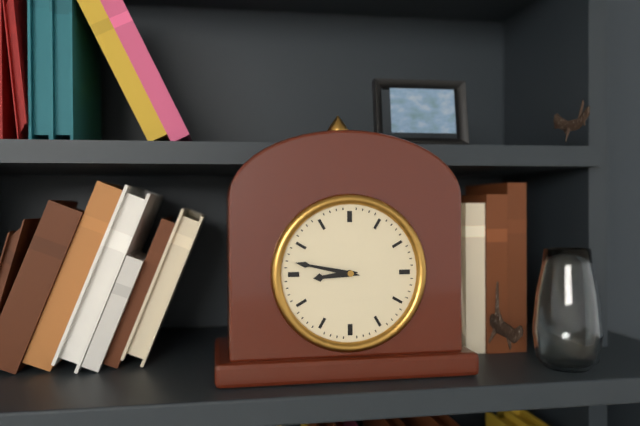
8.47
